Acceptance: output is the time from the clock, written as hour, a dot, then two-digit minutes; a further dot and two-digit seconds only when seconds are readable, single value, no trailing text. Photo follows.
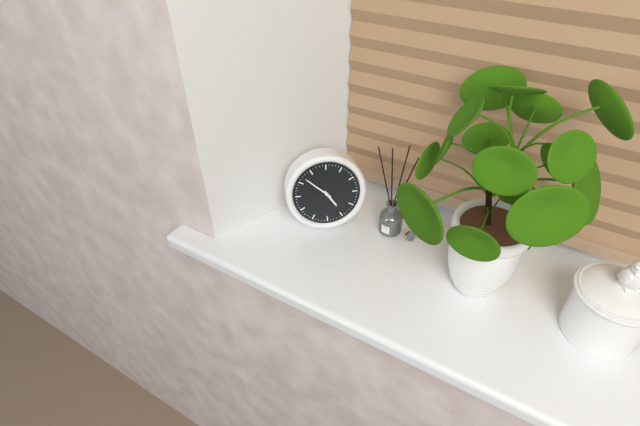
4.52
